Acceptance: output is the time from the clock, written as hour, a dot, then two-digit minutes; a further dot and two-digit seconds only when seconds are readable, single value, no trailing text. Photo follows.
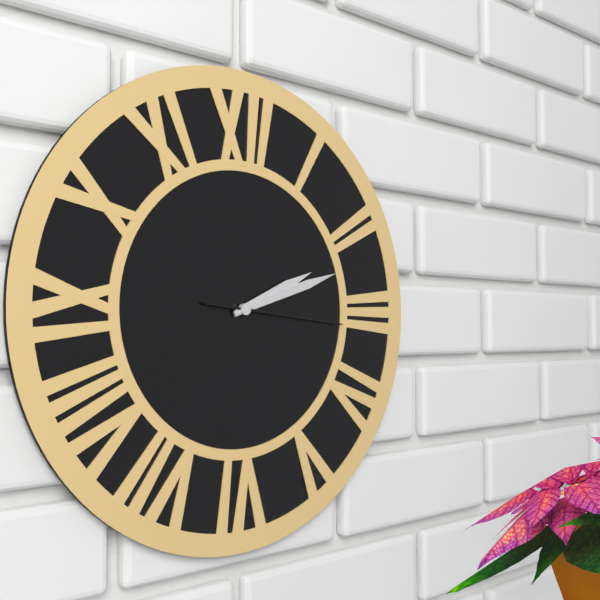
2.12.16
